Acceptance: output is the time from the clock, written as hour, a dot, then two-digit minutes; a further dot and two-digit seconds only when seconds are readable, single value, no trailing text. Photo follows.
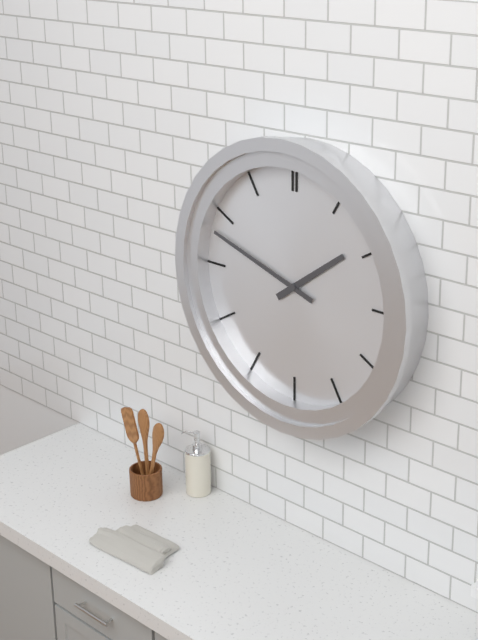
1.48
